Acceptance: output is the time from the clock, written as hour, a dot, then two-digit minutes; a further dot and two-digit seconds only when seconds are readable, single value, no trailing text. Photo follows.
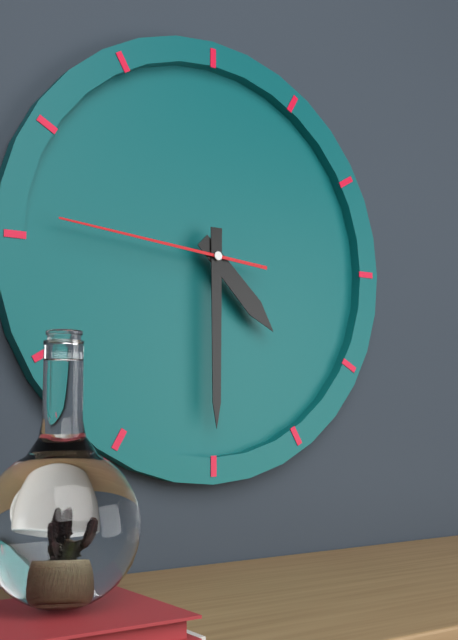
4.30.46
